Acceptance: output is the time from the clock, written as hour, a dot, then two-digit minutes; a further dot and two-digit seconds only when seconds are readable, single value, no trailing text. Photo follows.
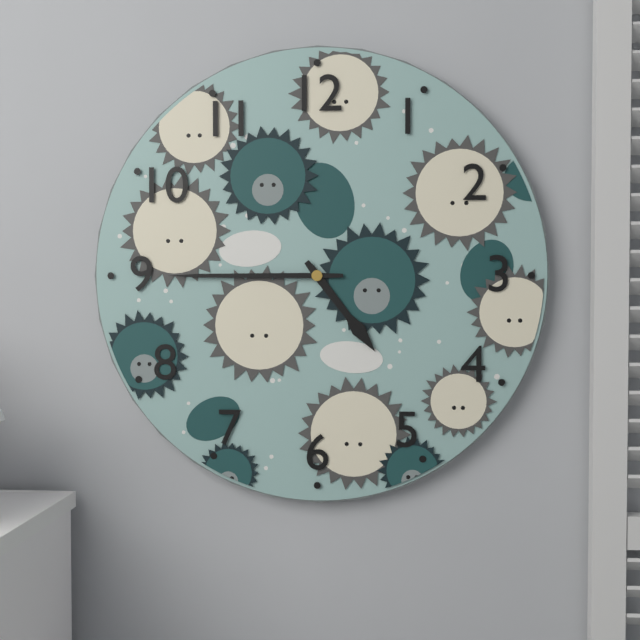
4.45
